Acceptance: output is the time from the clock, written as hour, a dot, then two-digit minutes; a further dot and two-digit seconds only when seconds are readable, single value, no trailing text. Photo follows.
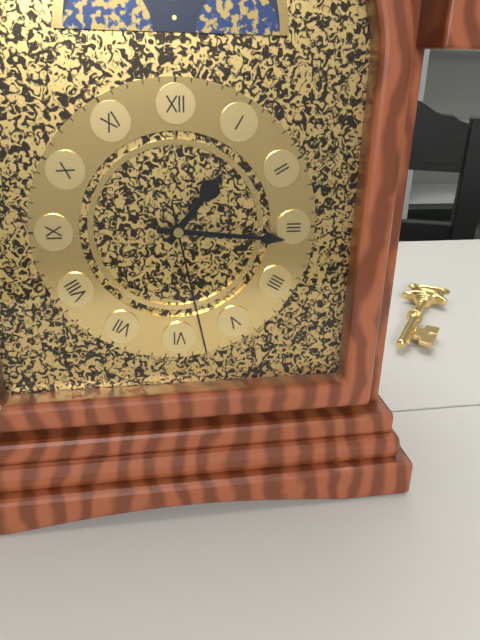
1.16.28
